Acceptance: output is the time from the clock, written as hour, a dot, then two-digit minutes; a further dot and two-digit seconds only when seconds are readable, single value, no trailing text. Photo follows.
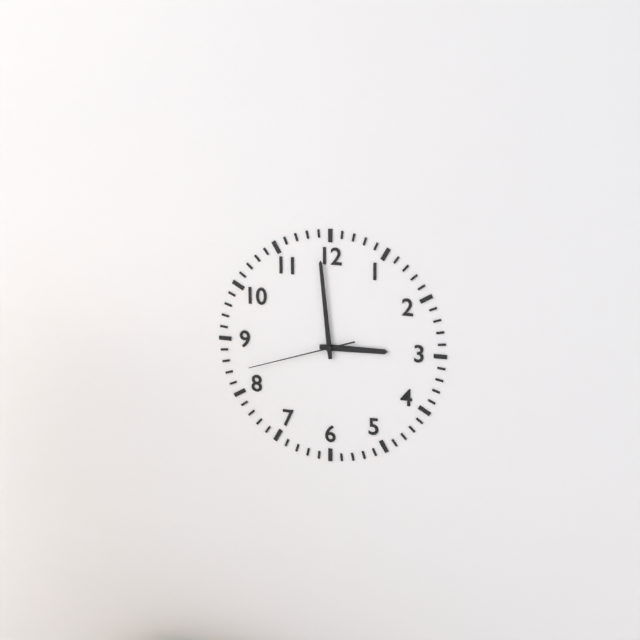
2.59.42
